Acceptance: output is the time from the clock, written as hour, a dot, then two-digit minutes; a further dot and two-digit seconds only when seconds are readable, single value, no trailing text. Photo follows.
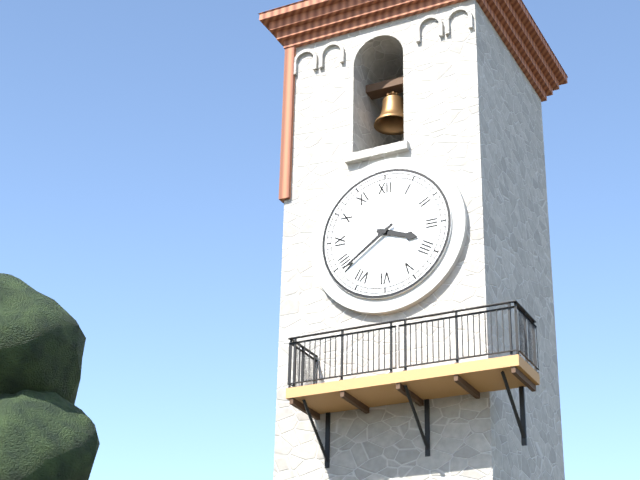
3.39
